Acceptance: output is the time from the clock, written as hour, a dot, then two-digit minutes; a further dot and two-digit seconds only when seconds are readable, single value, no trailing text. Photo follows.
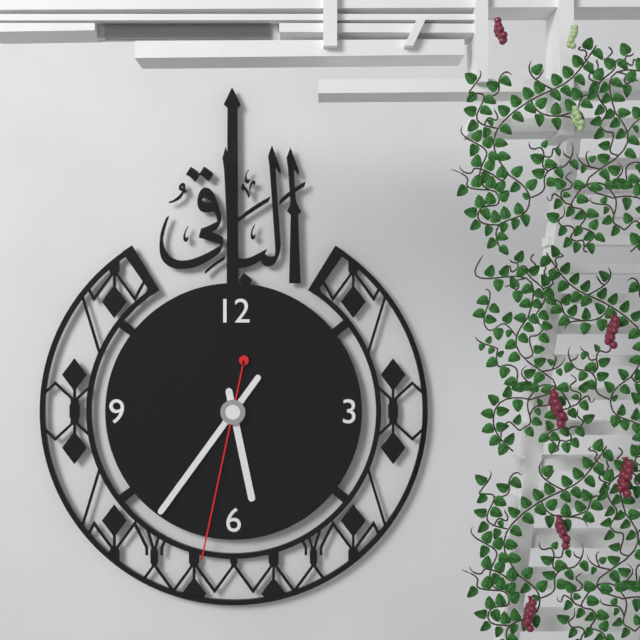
5.36.32
